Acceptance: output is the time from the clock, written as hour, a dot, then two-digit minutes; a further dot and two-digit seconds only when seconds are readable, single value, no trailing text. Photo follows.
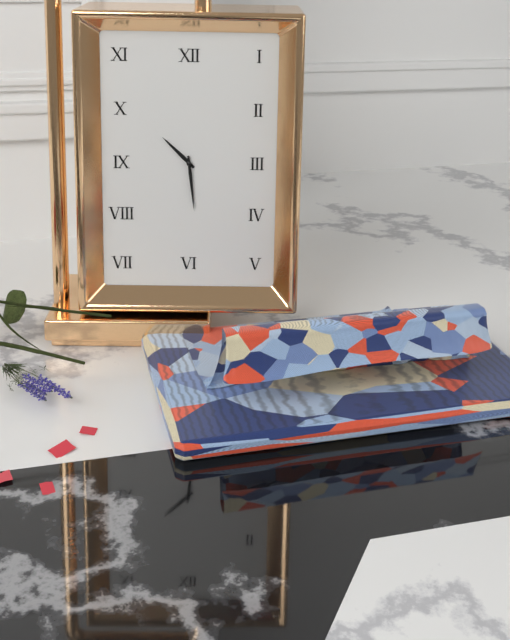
10.29
